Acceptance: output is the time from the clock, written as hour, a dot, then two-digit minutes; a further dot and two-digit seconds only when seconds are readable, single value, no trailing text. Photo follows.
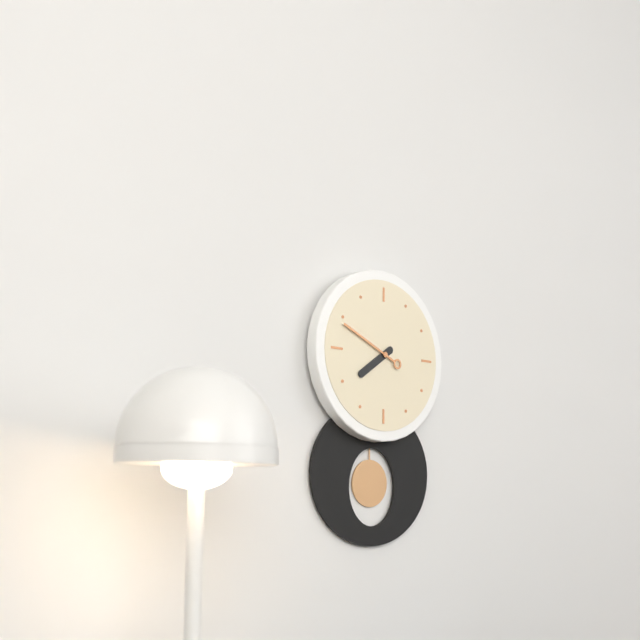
7.49
